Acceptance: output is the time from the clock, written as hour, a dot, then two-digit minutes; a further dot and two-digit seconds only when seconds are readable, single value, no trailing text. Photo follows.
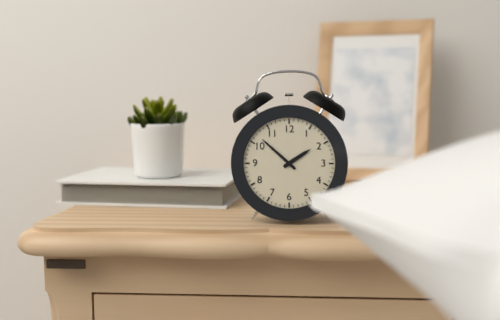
1.52
